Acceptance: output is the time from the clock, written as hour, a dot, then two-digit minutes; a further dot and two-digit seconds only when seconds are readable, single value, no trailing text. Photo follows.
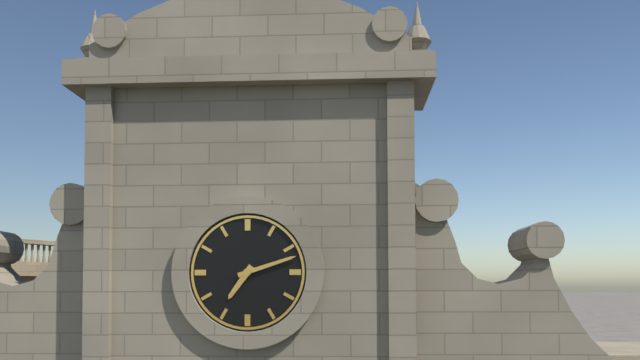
7.12
